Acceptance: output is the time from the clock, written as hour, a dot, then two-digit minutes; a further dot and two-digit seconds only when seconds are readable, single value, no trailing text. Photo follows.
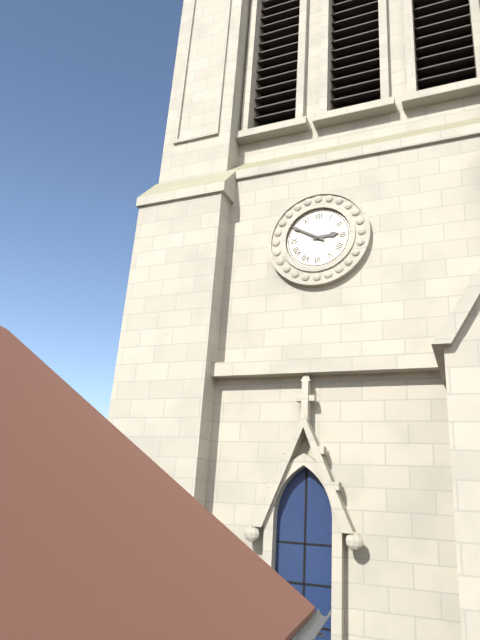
2.50
